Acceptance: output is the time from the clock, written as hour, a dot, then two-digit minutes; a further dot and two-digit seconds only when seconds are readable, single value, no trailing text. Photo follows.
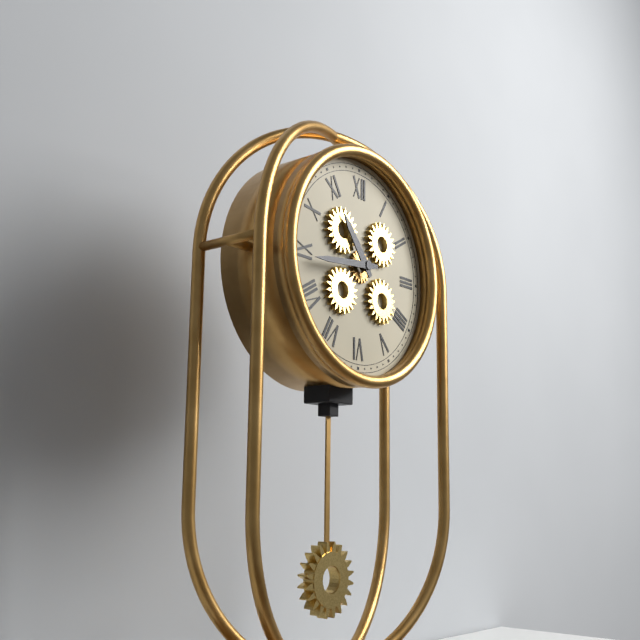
10.44
